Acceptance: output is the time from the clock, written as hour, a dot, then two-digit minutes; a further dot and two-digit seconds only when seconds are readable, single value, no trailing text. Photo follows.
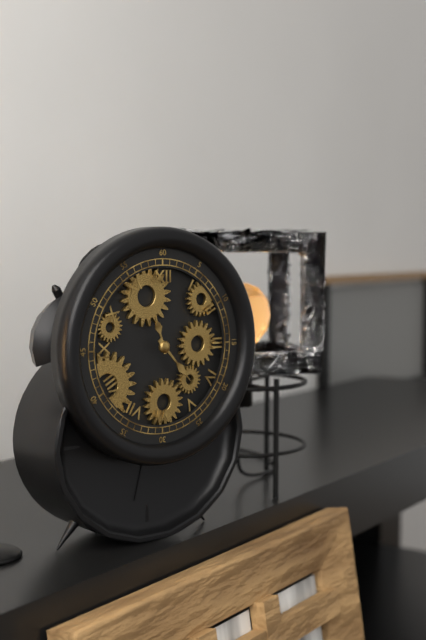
11.23
